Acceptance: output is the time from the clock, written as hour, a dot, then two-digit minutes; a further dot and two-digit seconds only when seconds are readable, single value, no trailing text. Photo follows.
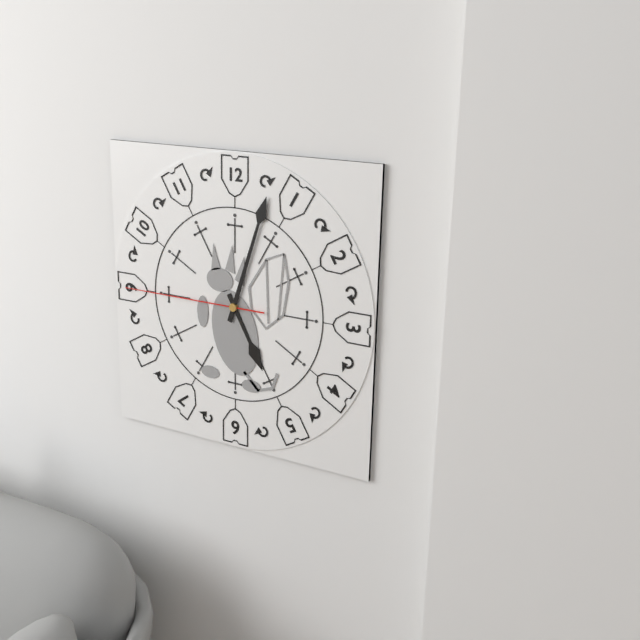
5.03.45
